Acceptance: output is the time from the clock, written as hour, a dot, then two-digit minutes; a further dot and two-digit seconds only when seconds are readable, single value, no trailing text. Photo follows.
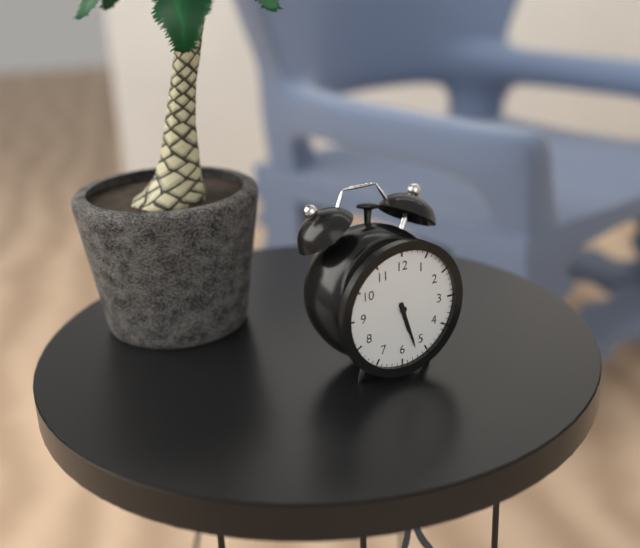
5.27
